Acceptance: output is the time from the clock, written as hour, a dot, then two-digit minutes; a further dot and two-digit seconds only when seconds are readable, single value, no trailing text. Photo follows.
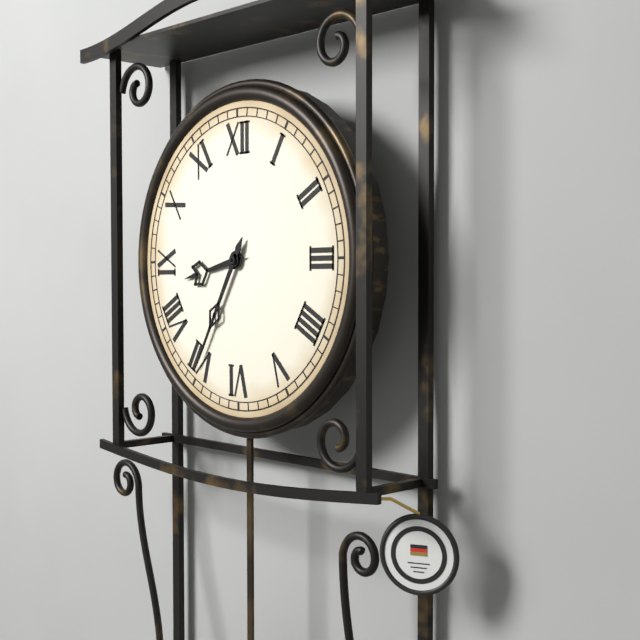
8.35
